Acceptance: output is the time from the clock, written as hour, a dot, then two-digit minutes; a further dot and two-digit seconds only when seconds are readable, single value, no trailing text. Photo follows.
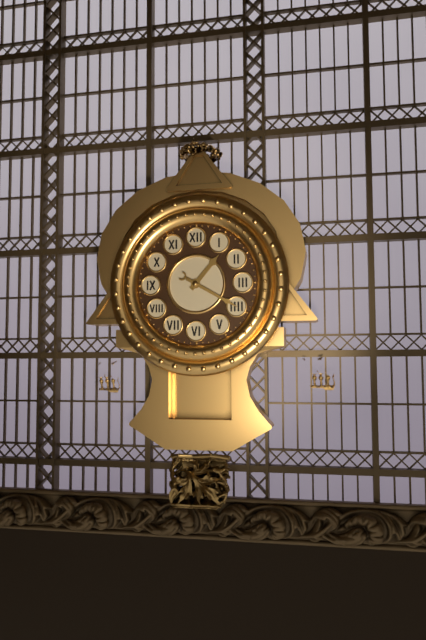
1.20
